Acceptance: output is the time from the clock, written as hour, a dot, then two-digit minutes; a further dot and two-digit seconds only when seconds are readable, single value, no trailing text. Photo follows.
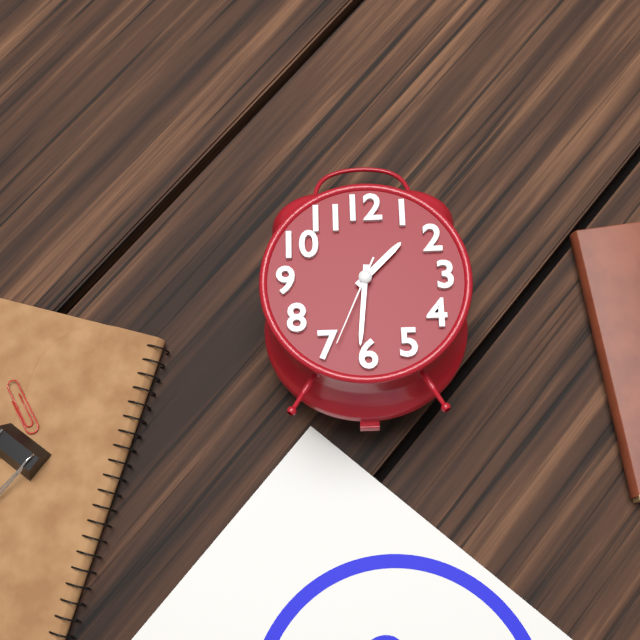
1.31.34
